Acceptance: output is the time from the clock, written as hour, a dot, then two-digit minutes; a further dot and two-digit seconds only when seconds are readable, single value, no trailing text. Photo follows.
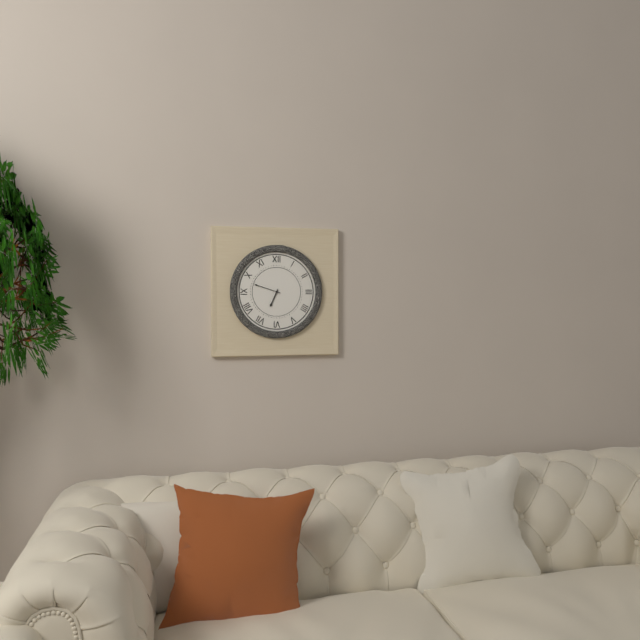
6.48
